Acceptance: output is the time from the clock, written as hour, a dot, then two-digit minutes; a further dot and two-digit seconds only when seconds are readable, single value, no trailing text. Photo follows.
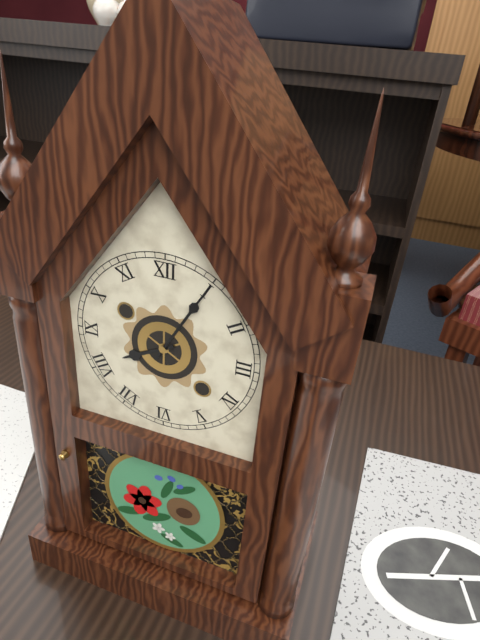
8.05
